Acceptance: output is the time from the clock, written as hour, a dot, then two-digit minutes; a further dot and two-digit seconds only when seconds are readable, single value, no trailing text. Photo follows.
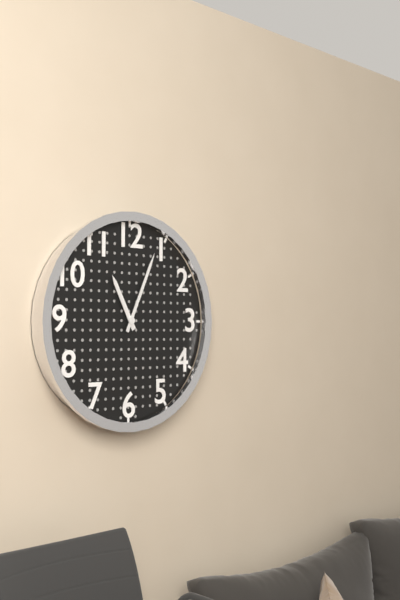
11.04
